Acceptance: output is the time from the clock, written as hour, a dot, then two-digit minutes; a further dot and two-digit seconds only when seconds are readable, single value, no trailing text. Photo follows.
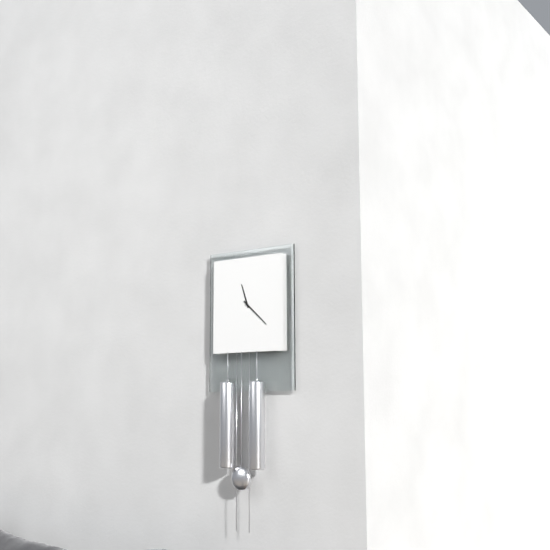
11.22
